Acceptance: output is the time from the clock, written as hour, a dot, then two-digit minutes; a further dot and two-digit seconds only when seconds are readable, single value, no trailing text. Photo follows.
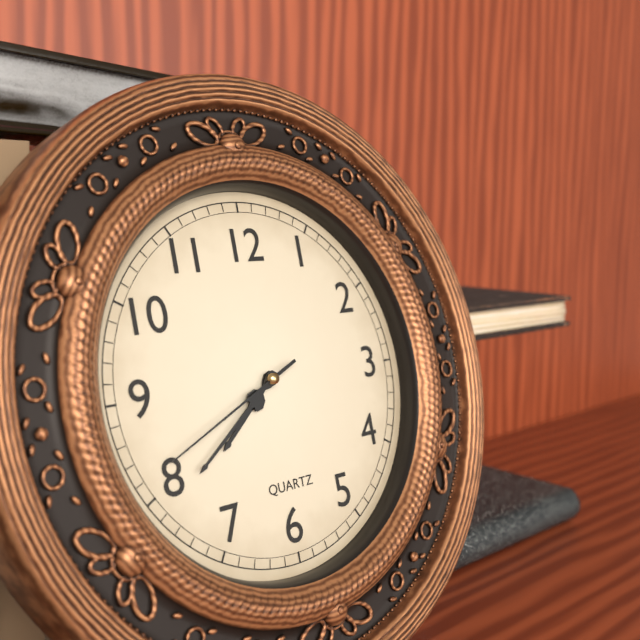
7.39.41
